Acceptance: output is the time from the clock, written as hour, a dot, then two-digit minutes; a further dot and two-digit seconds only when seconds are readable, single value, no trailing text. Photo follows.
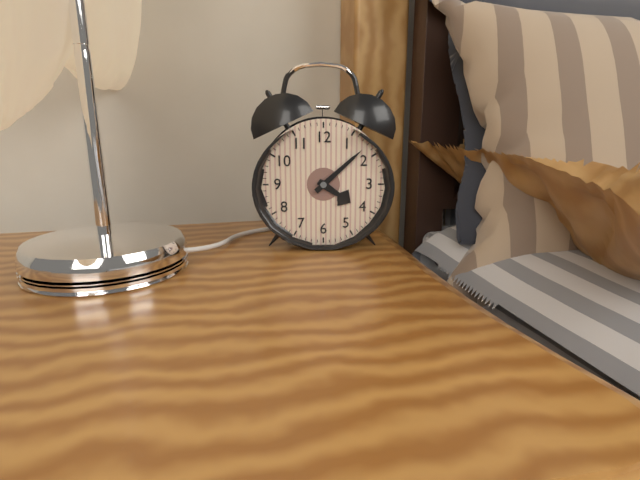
4.08
